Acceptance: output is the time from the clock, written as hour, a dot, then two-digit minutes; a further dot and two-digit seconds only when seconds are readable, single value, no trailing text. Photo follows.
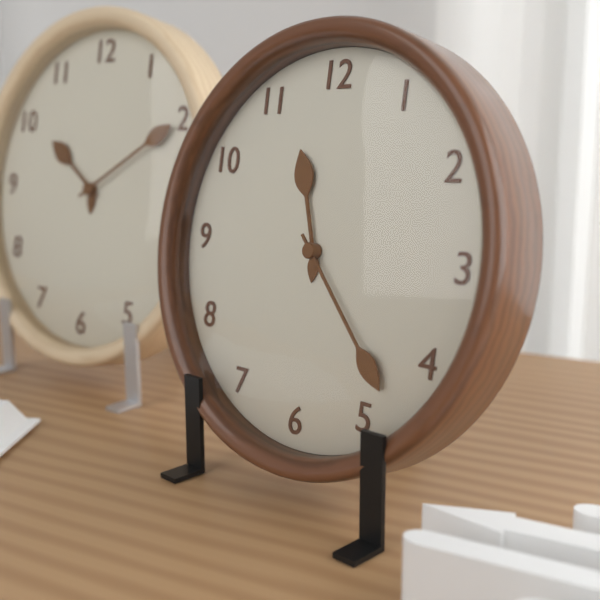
11.23
